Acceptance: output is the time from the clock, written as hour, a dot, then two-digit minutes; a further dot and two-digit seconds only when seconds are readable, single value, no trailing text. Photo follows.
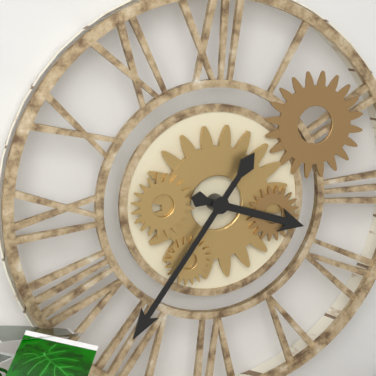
3.36
